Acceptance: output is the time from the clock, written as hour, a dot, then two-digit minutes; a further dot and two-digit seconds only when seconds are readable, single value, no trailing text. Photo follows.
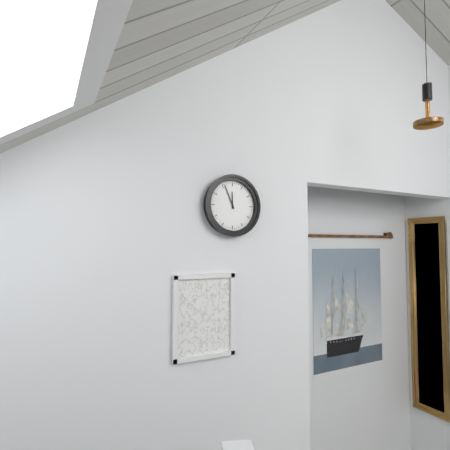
11.56
